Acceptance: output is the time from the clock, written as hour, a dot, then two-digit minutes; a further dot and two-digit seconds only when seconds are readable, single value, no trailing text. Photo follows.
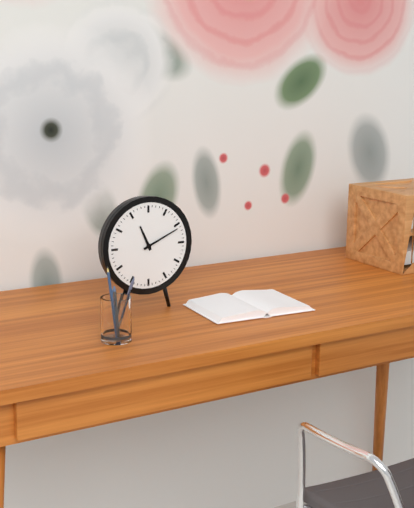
11.11
